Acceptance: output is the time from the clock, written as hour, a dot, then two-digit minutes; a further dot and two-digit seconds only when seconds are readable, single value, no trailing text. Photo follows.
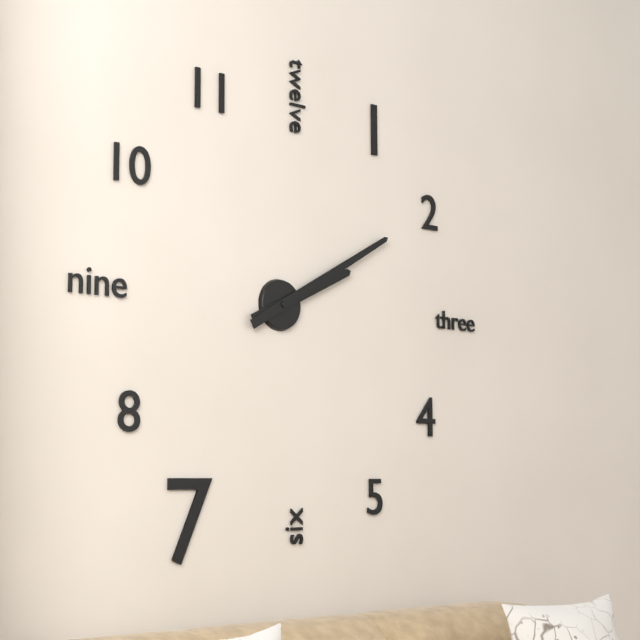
2.10
